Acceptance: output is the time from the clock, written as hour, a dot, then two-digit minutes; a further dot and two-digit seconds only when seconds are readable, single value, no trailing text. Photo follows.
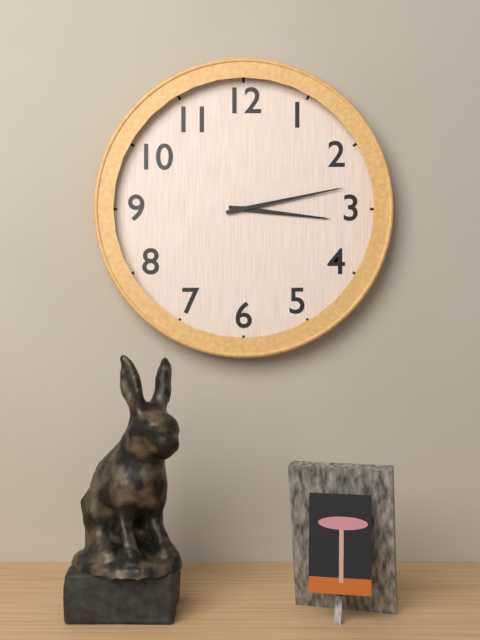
3.13
